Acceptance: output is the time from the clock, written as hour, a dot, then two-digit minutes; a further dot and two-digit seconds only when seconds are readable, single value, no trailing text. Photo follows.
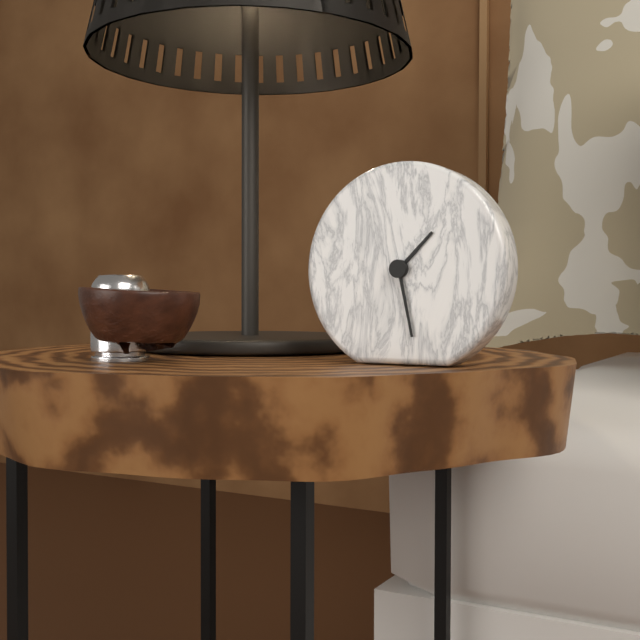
1.28
